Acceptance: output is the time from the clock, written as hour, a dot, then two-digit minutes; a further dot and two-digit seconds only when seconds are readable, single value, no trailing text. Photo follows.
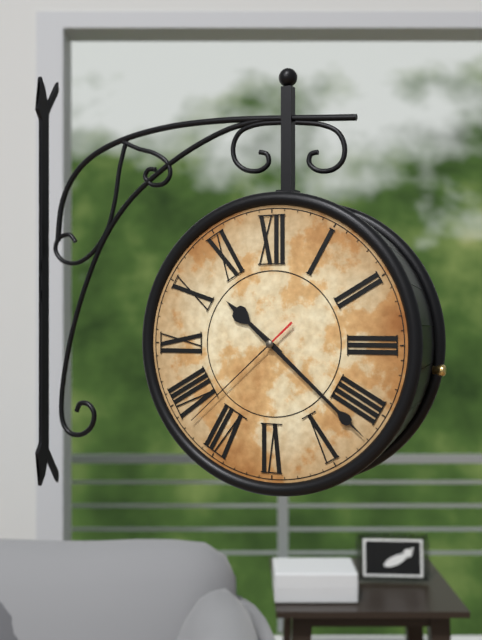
10.22.38
